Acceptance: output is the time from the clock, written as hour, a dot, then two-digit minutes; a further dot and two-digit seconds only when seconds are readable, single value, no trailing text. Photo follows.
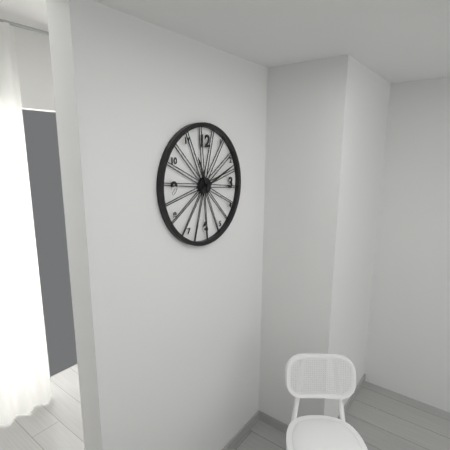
11.11
